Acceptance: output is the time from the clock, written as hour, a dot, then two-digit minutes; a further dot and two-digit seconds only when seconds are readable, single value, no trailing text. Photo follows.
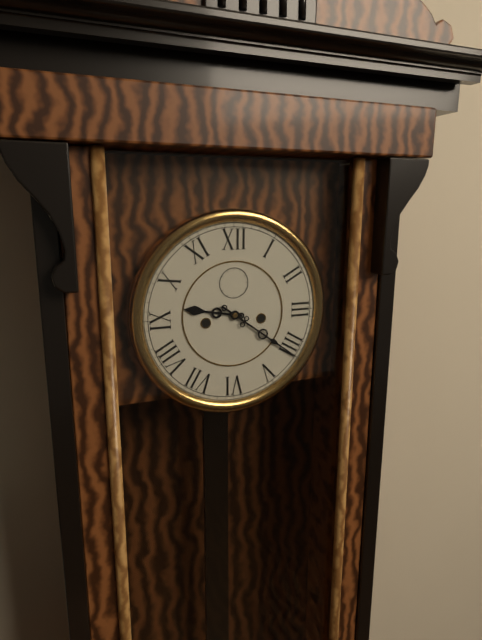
9.21
